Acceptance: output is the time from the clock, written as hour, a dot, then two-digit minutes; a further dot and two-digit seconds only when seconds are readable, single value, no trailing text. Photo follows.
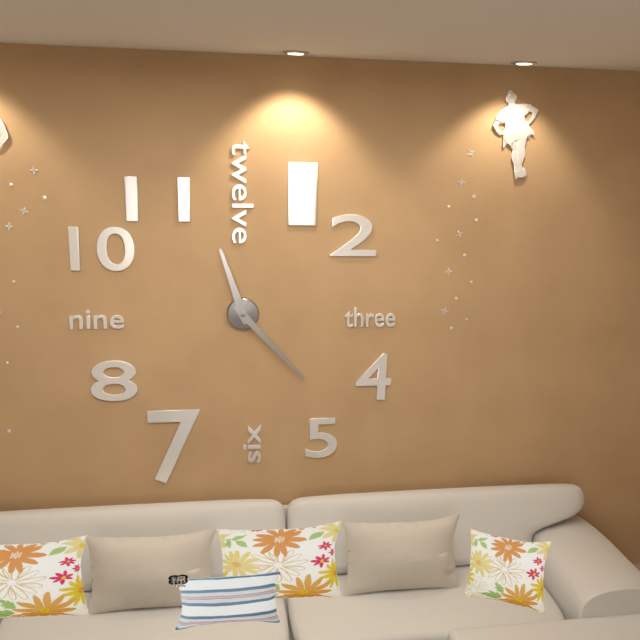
11.23
